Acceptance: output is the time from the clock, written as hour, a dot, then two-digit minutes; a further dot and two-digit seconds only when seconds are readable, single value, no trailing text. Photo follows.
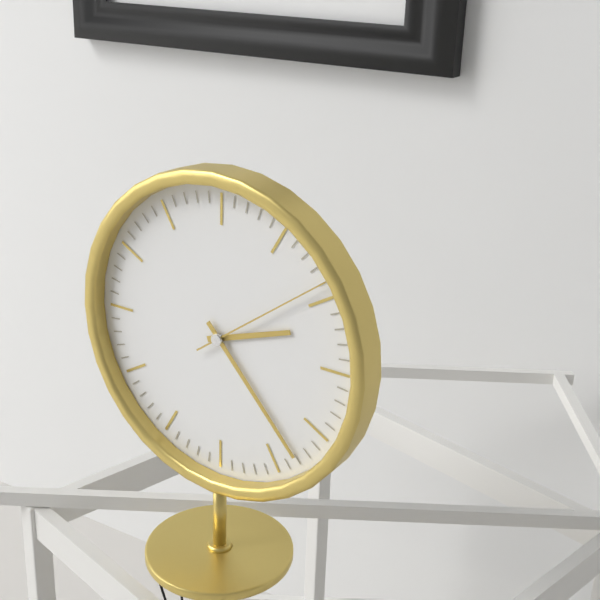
2.23.09
